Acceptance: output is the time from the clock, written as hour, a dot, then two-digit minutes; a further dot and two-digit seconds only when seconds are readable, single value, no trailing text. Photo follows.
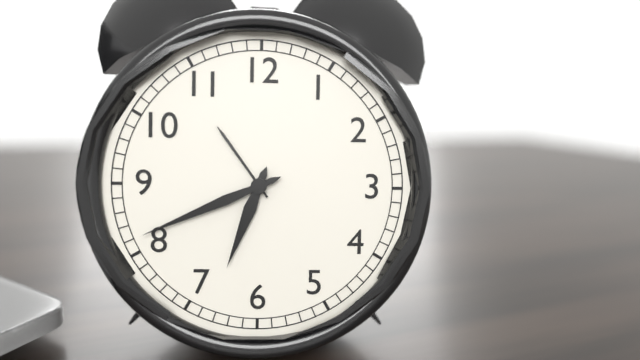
6.41
